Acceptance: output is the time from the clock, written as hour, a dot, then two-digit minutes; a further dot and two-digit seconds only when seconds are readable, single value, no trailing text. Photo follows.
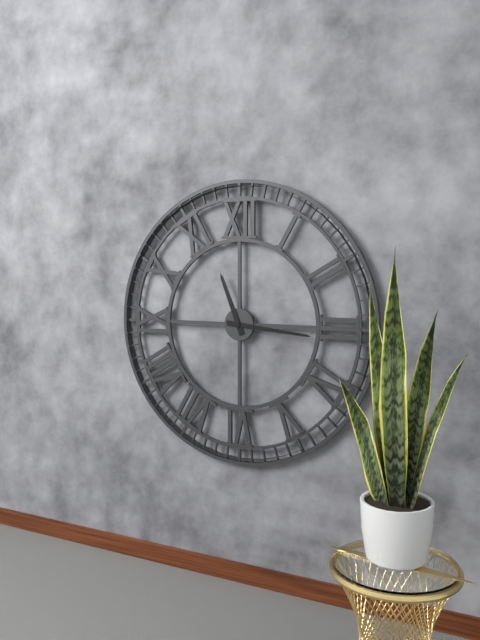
11.16
